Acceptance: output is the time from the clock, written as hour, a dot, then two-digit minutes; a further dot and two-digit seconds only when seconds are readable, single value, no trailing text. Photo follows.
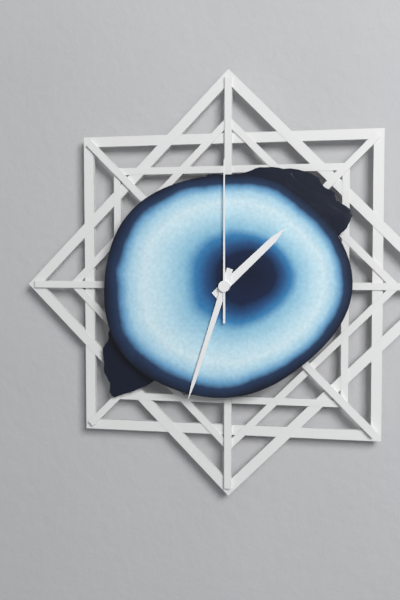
1.33.00
